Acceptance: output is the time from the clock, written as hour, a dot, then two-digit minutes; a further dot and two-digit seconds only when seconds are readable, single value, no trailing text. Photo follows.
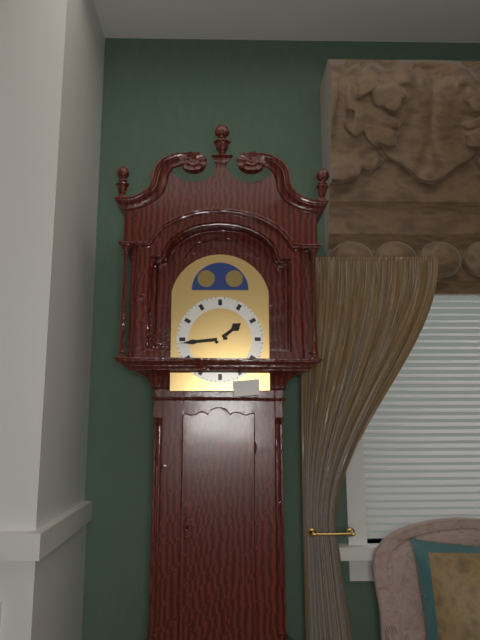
1.44
